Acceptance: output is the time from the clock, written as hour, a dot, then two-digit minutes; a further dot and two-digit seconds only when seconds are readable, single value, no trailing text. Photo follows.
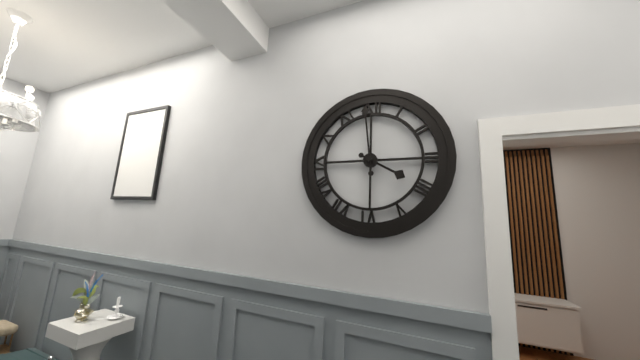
3.59
